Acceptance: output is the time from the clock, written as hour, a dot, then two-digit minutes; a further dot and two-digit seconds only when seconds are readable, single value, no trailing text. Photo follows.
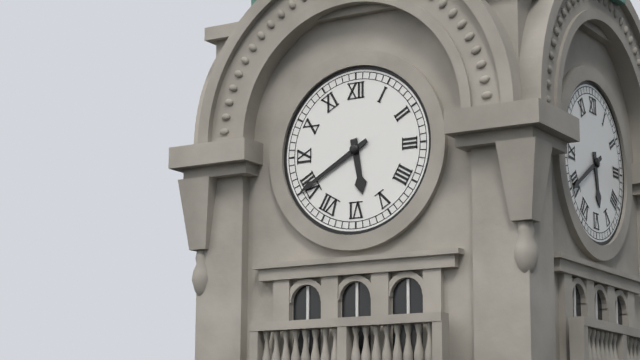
5.40
